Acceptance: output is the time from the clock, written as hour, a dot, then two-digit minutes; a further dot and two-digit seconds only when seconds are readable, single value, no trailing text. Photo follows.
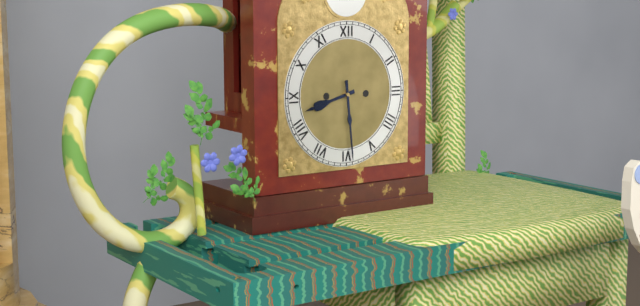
8.29
